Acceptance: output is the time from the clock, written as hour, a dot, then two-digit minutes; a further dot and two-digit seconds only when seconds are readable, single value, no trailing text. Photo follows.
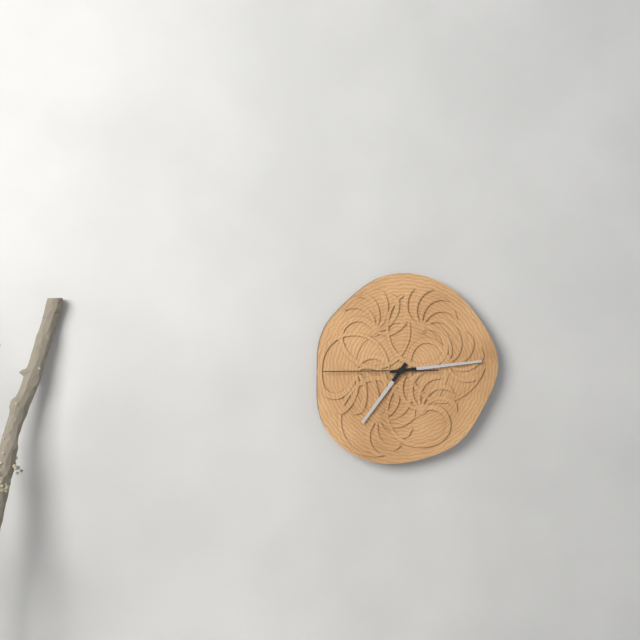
7.14.45
